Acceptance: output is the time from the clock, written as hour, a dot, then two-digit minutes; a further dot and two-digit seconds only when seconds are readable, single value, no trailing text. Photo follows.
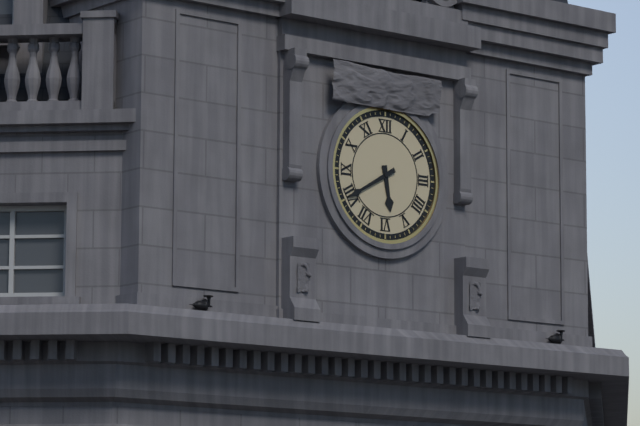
5.40
